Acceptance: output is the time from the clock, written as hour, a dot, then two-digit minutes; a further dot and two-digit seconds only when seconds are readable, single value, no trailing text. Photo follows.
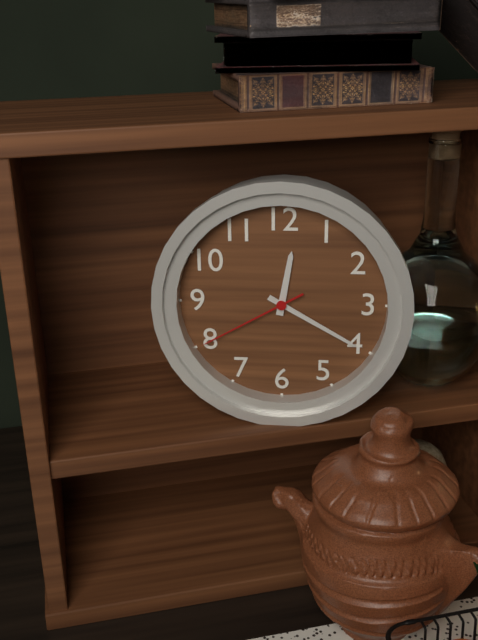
12.20.40
